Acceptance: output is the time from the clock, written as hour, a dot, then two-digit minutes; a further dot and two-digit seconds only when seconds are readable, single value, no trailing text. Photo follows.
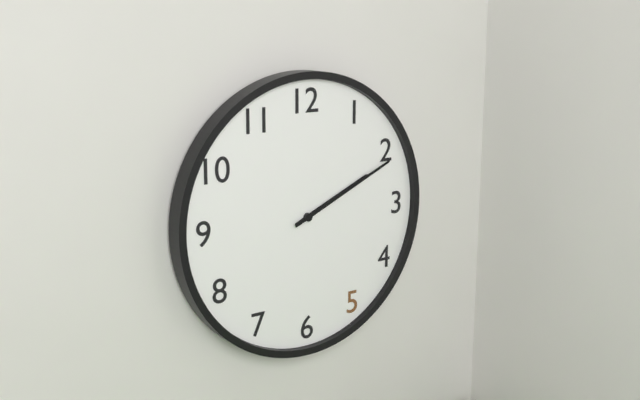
2.11
